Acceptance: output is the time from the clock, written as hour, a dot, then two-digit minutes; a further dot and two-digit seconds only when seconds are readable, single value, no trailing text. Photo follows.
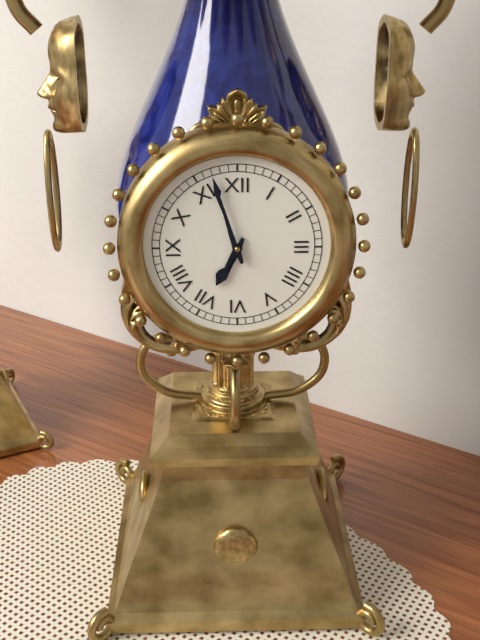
6.57
